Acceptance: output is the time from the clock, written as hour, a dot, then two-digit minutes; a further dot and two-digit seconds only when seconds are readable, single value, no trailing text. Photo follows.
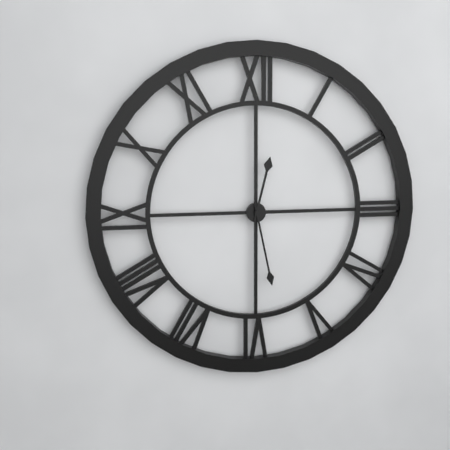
12.28
